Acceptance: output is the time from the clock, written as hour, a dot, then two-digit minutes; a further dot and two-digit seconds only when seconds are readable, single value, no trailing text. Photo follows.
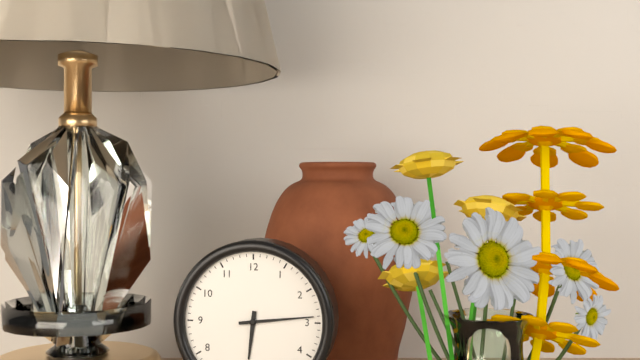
6.14
